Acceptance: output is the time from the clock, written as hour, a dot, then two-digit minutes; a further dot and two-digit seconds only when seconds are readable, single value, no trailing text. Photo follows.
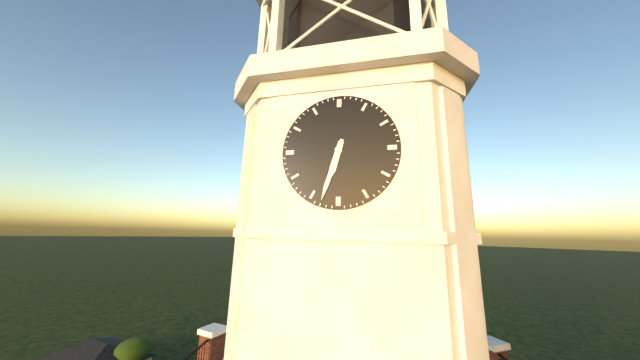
6.33
